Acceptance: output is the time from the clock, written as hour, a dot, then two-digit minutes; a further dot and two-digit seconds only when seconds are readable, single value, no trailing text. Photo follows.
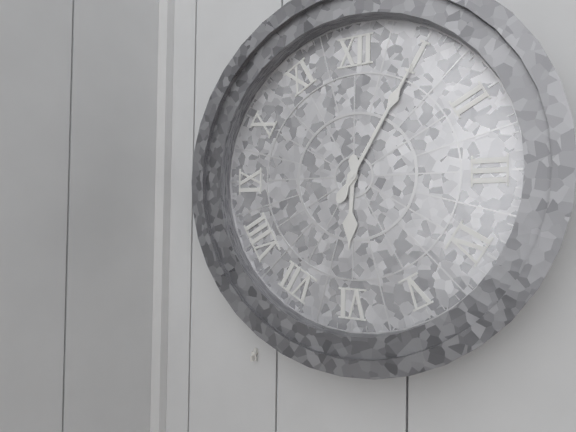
6.05
